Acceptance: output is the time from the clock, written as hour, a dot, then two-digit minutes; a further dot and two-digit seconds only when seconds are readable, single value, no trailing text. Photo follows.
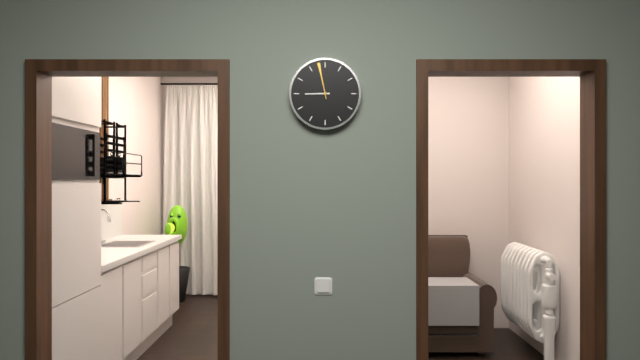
8.58
